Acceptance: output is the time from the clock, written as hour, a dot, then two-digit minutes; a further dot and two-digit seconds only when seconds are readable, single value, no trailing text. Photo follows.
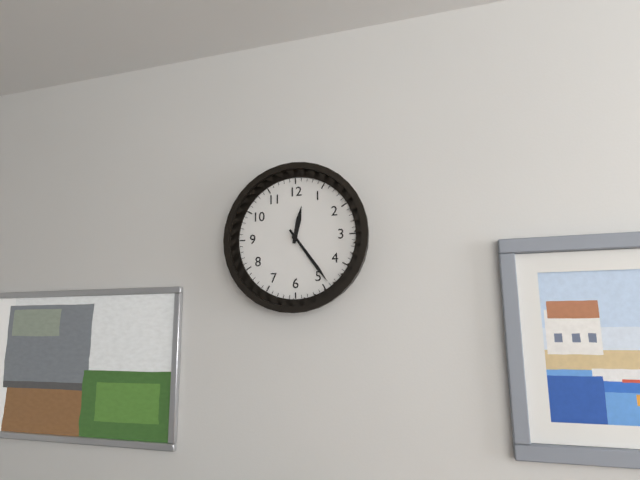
12.24
